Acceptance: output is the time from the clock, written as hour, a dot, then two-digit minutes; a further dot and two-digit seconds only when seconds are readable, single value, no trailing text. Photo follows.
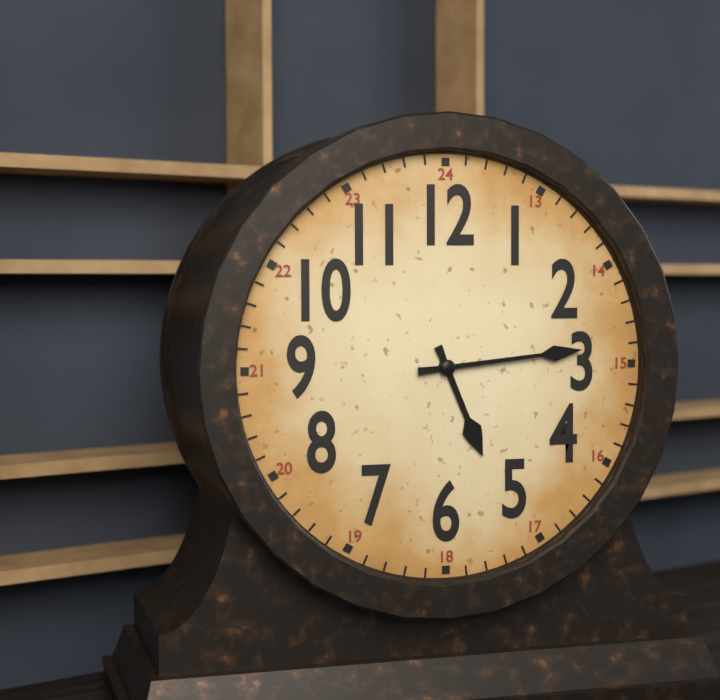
5.14
